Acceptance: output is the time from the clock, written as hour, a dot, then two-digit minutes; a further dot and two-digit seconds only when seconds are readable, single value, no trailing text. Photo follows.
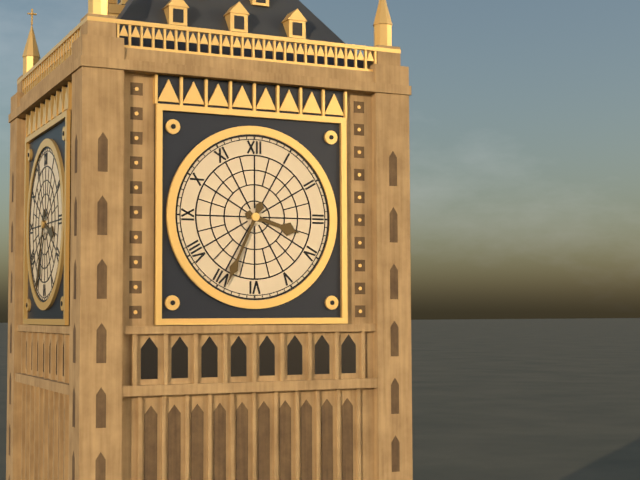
3.34
